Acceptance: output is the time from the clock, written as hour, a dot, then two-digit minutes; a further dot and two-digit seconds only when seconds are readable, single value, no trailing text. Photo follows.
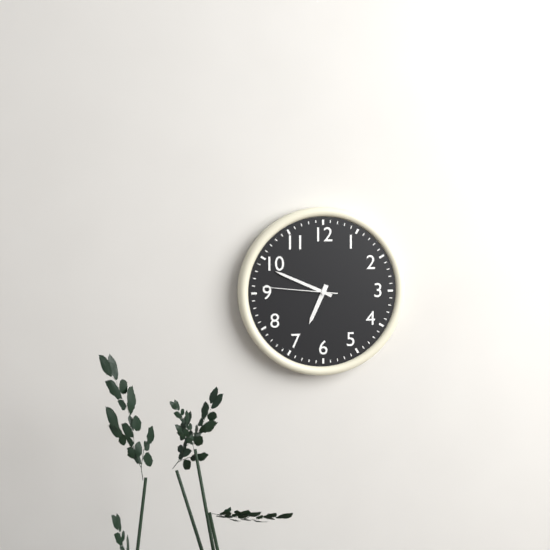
6.49.46
